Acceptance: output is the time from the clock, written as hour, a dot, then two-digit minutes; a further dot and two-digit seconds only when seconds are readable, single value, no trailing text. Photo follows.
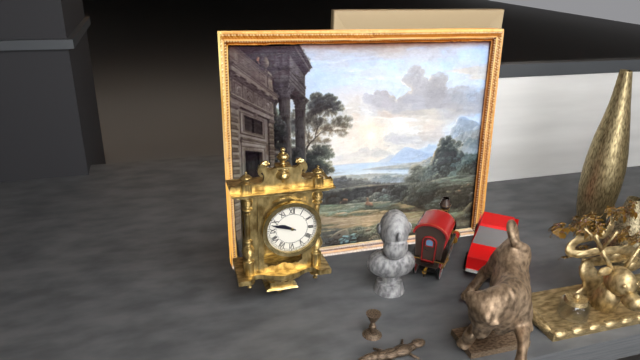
9.48
